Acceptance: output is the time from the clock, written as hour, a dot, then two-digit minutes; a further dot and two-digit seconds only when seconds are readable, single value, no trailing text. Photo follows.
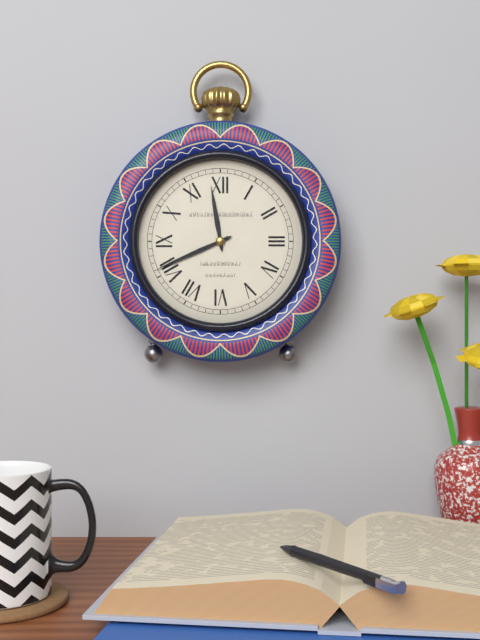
11.41
